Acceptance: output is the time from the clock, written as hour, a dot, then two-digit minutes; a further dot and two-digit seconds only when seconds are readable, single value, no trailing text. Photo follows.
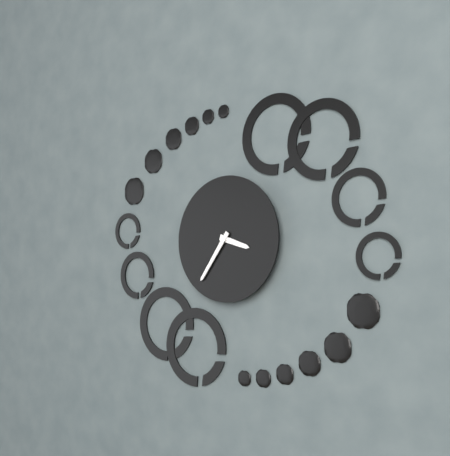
3.36
